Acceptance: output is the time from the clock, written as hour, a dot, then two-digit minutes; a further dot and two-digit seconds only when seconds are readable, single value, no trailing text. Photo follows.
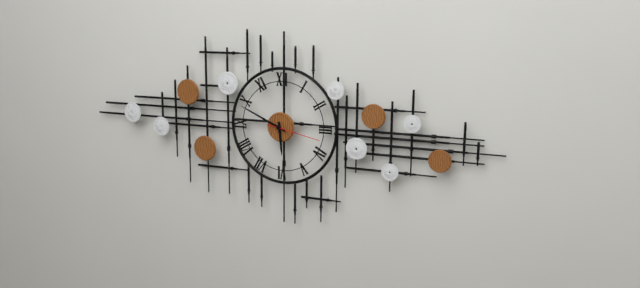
5.49.17
